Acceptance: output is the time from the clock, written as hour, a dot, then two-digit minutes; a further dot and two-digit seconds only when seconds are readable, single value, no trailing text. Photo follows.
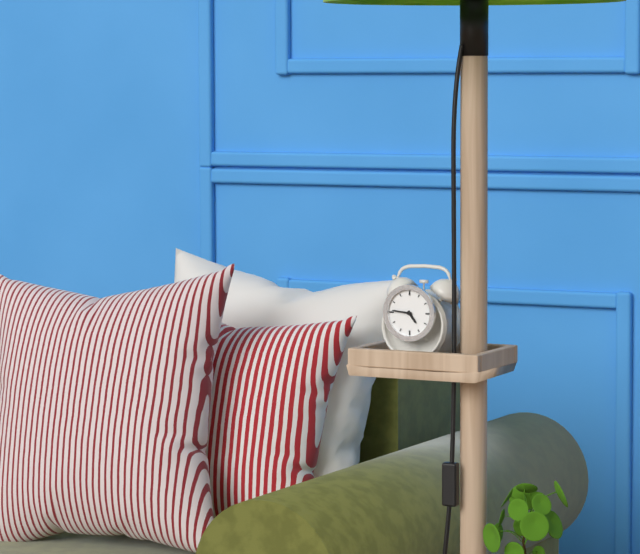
4.46
